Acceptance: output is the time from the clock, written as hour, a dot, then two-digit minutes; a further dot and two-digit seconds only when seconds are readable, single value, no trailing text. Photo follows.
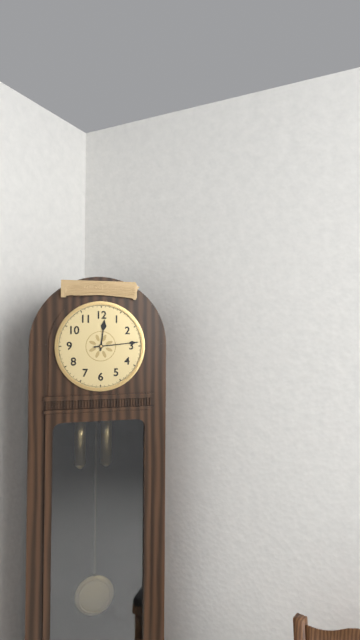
12.14
